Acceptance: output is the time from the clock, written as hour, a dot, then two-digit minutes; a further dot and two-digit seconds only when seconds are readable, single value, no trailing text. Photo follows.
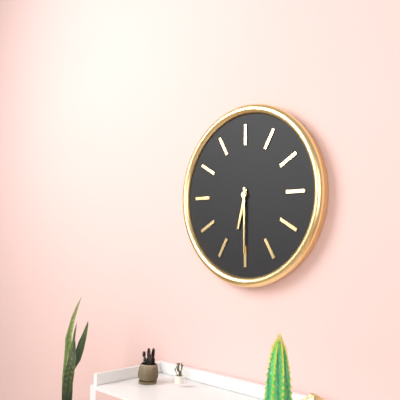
6.30
